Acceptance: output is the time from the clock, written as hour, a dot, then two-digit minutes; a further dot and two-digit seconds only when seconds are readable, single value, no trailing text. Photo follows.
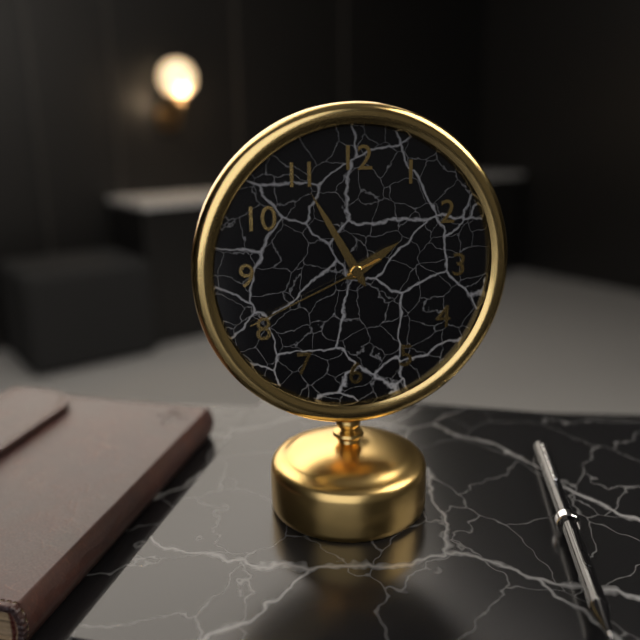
1.55.41
